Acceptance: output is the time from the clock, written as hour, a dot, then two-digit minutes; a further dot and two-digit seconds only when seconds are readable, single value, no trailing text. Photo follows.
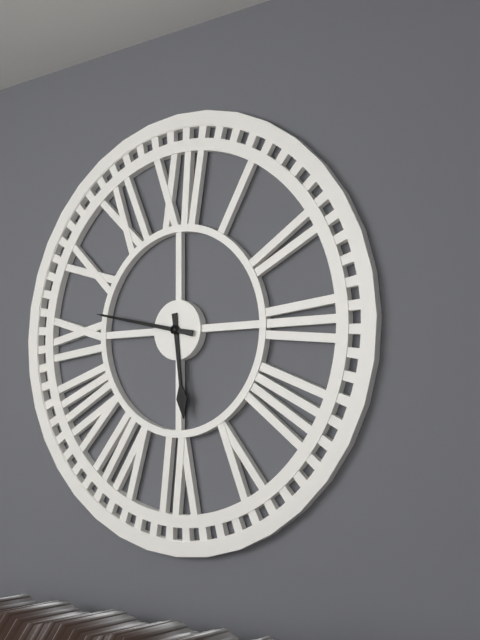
5.47
